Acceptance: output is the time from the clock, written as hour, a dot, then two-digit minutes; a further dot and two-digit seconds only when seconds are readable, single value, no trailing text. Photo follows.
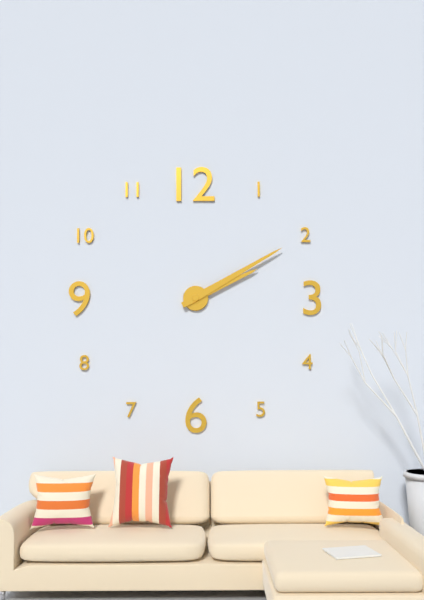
2.10
